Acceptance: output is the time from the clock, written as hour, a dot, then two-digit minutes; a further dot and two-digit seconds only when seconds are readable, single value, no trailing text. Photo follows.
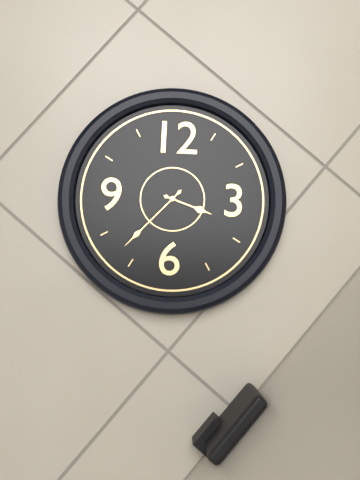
3.37
